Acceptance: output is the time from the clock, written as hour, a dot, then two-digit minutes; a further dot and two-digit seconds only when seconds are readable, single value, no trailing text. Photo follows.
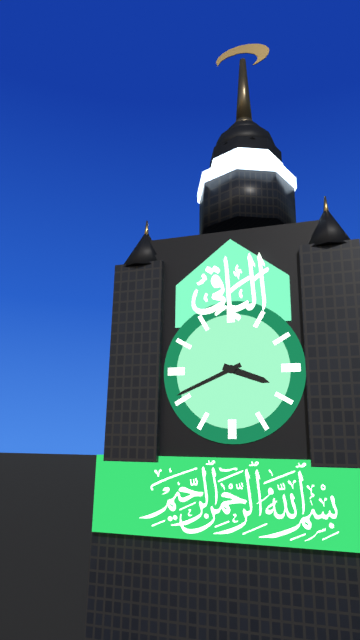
3.41
